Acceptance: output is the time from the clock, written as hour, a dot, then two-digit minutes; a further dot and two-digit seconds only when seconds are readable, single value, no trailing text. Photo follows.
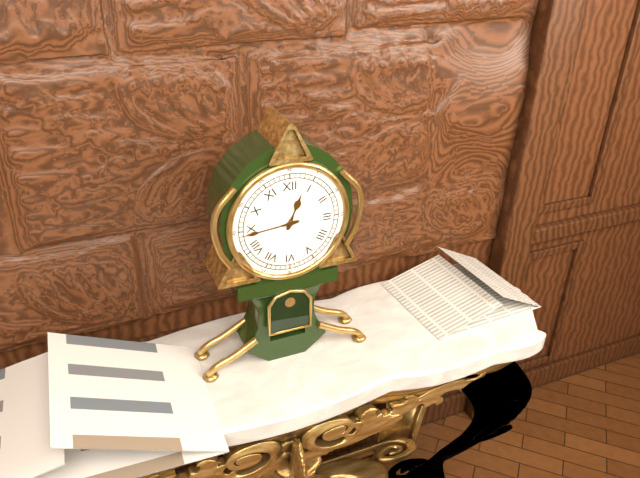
12.44
